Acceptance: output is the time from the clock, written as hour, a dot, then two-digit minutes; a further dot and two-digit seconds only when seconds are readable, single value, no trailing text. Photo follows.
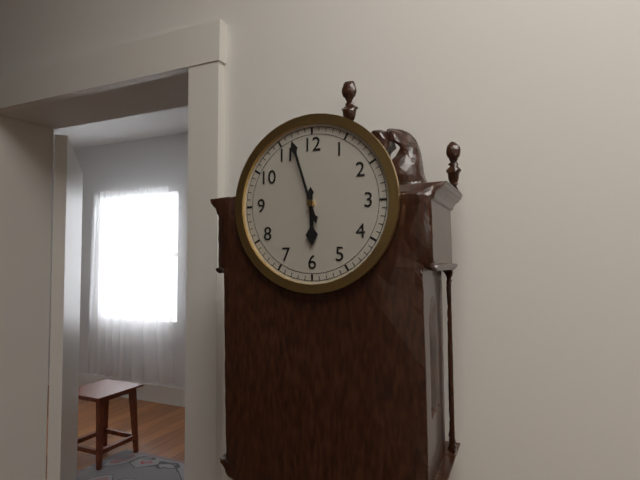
5.57
